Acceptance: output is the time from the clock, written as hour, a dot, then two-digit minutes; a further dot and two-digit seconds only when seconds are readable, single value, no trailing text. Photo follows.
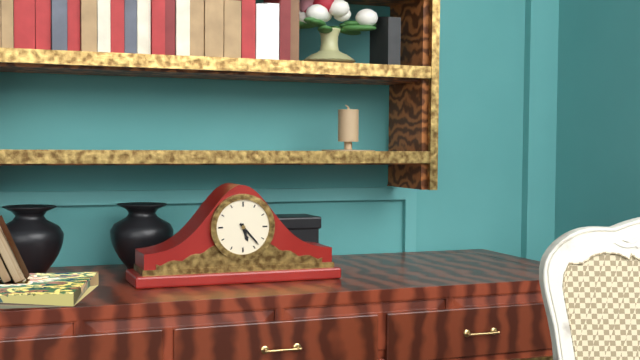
5.23
